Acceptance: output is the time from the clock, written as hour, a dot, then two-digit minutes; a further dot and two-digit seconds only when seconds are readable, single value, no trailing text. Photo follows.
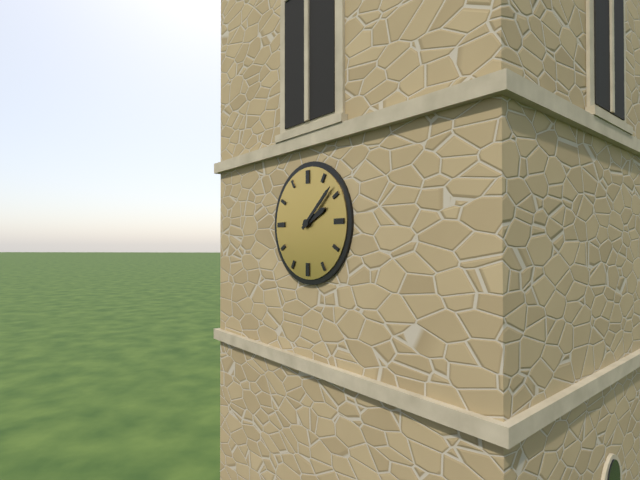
2.08
